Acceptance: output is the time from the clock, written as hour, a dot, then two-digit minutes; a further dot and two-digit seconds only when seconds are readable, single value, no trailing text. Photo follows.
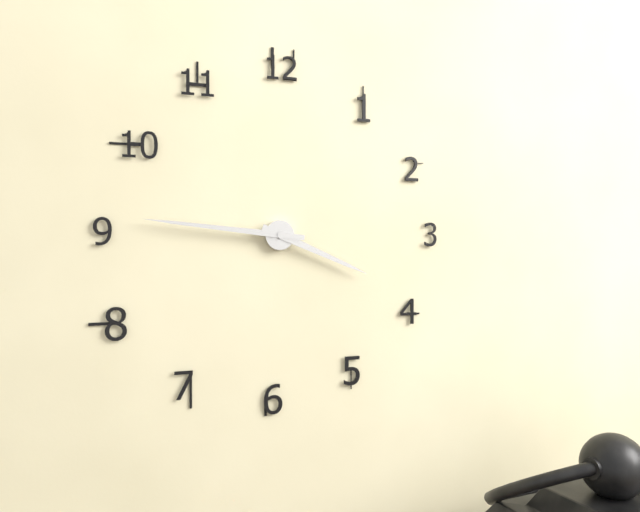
3.46
